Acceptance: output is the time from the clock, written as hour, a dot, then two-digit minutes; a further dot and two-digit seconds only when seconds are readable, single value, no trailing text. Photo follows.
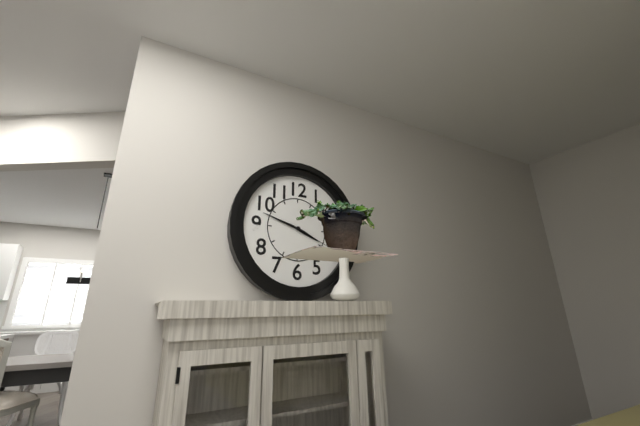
3.48
